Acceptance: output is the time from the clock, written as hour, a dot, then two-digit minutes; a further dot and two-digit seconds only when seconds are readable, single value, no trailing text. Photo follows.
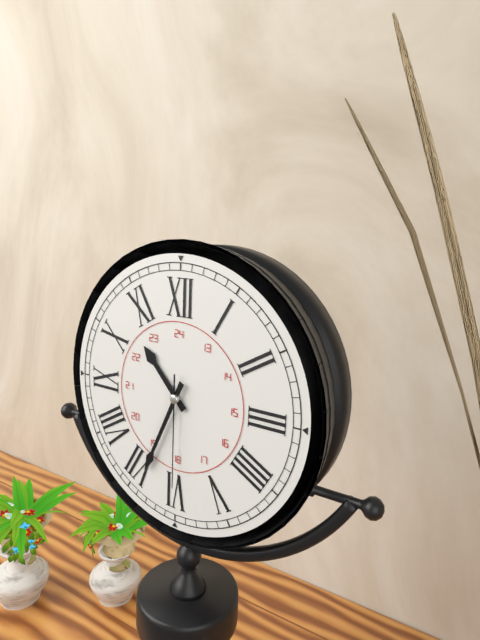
10.34.30
